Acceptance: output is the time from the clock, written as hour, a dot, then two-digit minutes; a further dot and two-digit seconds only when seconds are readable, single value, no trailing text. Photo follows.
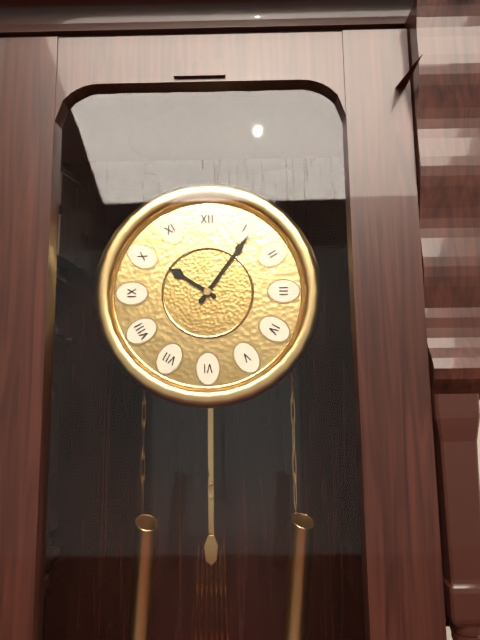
10.06
